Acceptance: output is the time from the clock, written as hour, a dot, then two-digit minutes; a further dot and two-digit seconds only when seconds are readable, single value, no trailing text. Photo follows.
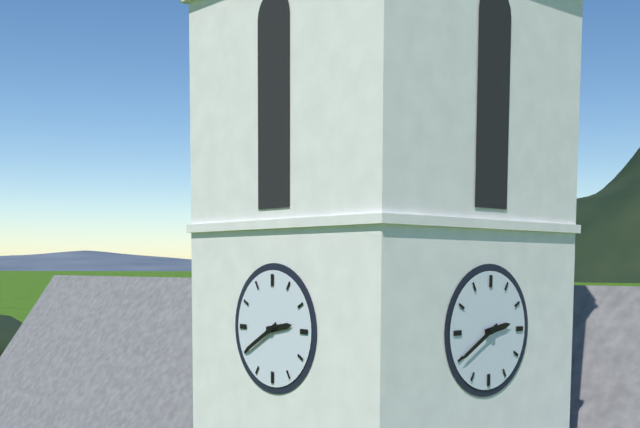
2.40
